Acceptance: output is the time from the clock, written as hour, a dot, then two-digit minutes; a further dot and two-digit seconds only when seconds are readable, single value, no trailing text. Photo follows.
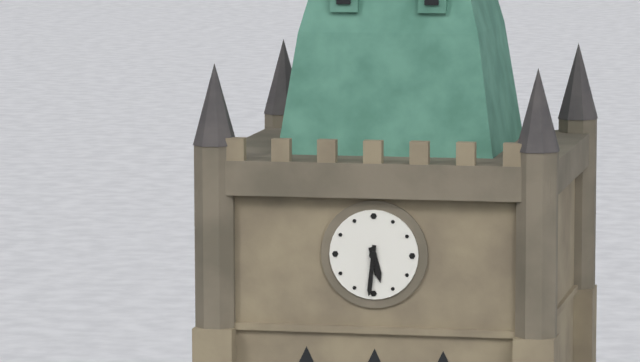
5.31
